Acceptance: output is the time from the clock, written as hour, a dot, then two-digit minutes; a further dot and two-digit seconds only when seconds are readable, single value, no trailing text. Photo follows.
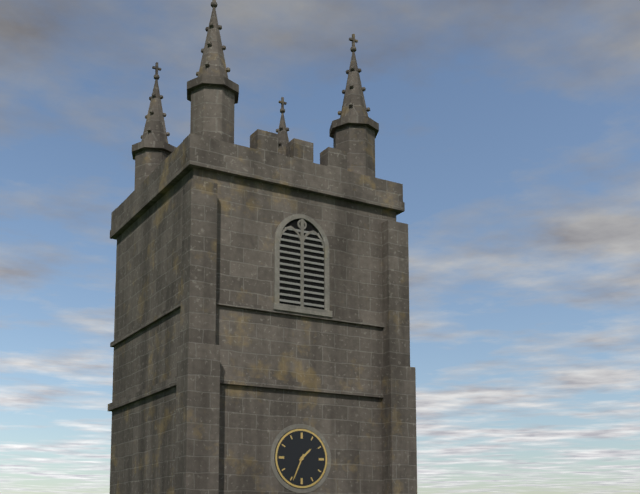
1.34
